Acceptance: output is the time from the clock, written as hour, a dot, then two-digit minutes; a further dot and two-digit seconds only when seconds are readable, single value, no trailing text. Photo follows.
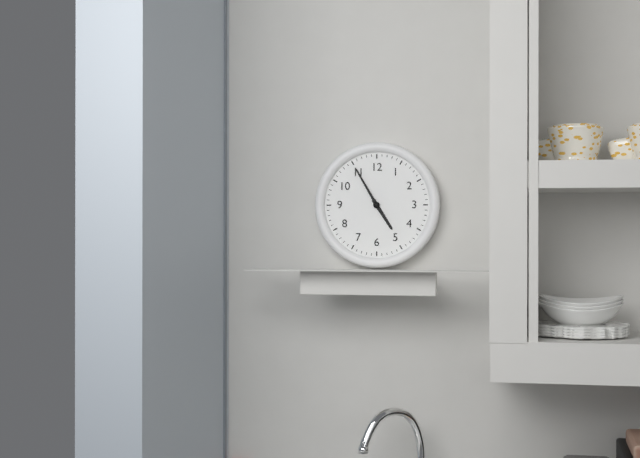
4.55
